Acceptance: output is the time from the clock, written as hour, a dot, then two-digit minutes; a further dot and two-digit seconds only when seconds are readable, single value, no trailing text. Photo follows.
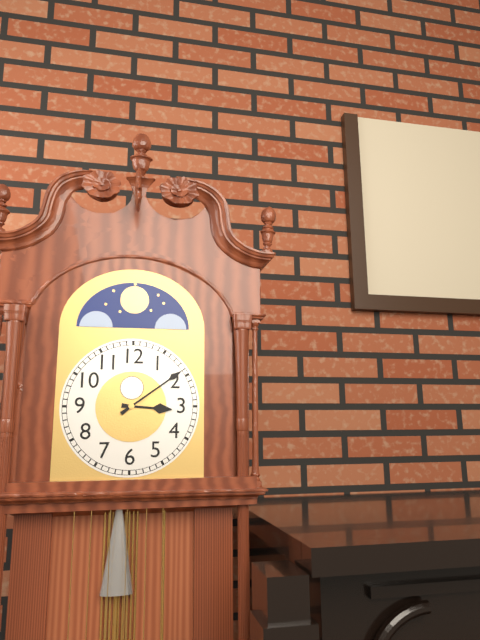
3.09
